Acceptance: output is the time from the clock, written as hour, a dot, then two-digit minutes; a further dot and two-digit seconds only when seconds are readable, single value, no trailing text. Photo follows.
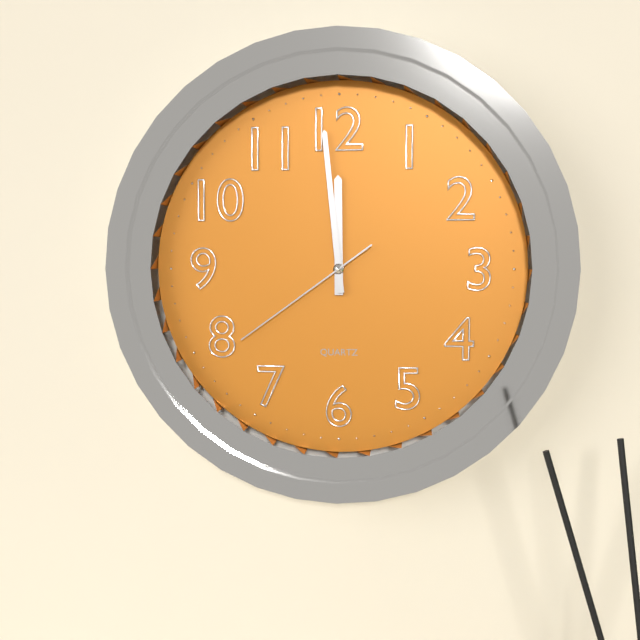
11.59.39
